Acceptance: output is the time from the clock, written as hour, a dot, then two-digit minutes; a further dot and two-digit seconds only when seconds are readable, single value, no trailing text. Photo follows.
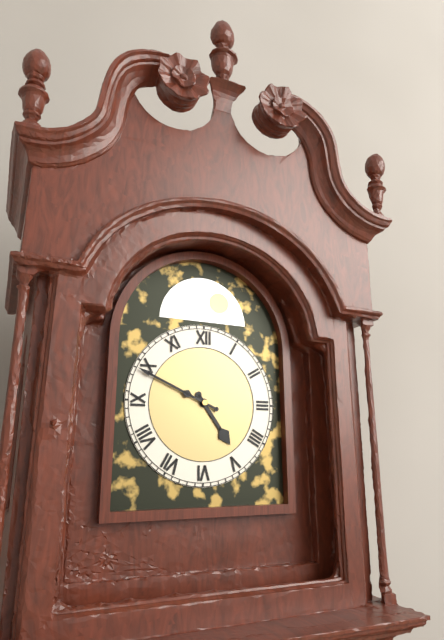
4.49
